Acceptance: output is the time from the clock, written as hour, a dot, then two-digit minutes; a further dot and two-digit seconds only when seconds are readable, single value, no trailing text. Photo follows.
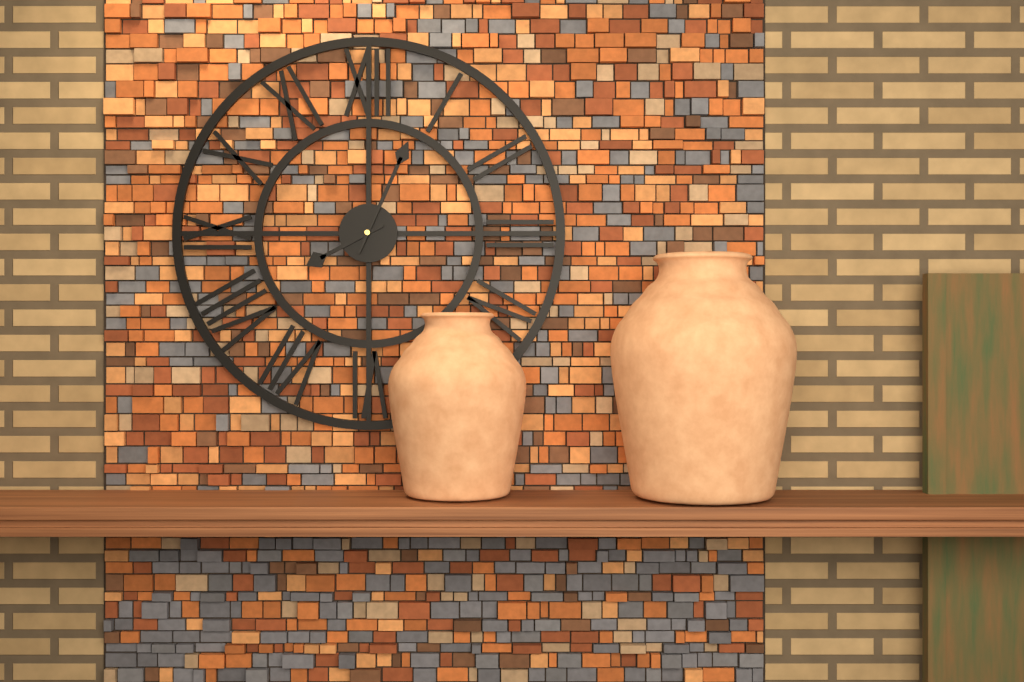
8.04
